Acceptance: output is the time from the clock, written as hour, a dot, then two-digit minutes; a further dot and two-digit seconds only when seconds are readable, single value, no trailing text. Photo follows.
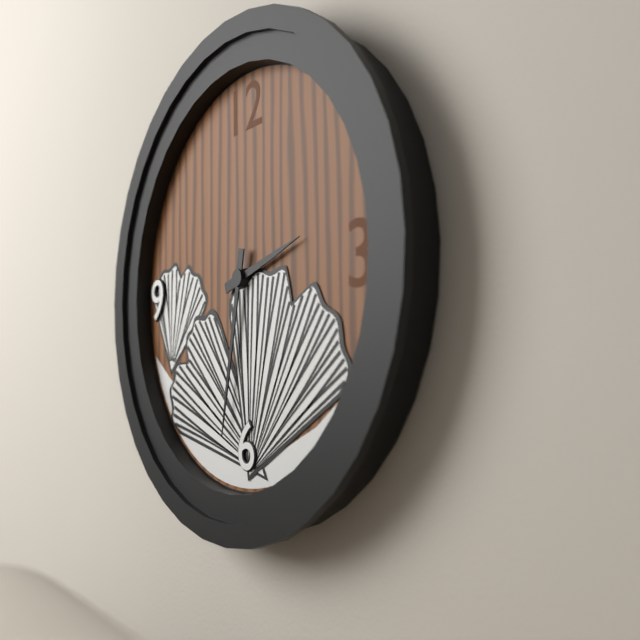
2.32
